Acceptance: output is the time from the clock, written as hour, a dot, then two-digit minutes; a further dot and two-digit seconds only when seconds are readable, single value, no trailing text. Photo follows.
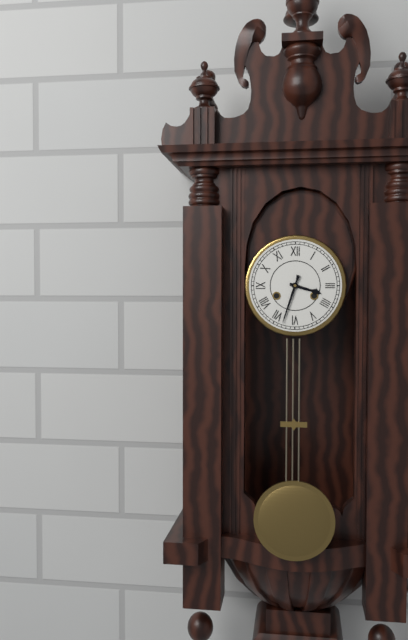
3.33
